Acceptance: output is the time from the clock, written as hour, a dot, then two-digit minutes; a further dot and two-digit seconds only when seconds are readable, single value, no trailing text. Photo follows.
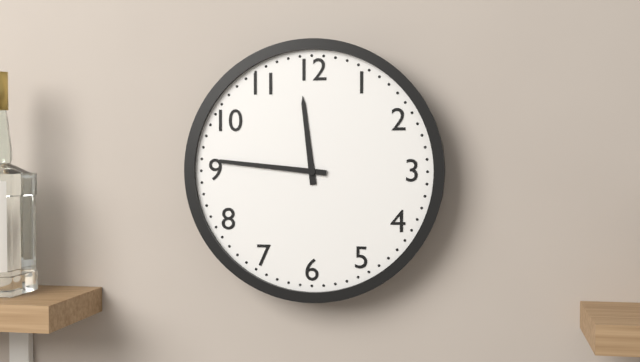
11.46
